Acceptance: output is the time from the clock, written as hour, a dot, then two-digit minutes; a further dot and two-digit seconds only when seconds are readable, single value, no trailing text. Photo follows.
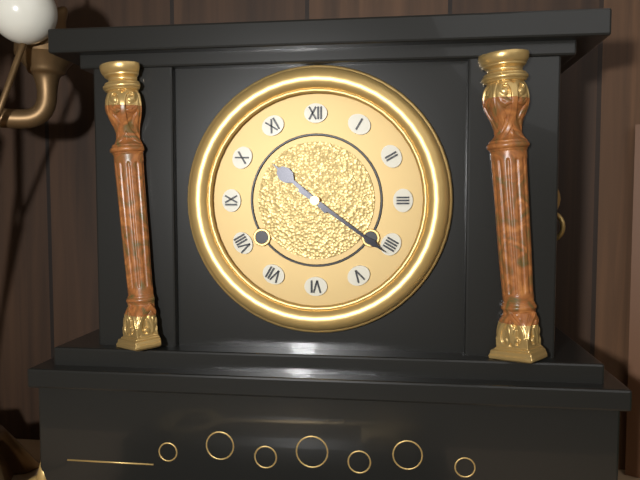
10.21
